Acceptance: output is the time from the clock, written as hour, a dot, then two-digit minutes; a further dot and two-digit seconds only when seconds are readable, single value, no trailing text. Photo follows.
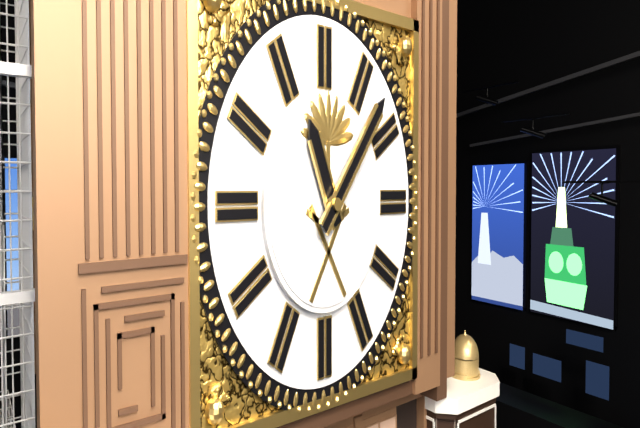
11.07
